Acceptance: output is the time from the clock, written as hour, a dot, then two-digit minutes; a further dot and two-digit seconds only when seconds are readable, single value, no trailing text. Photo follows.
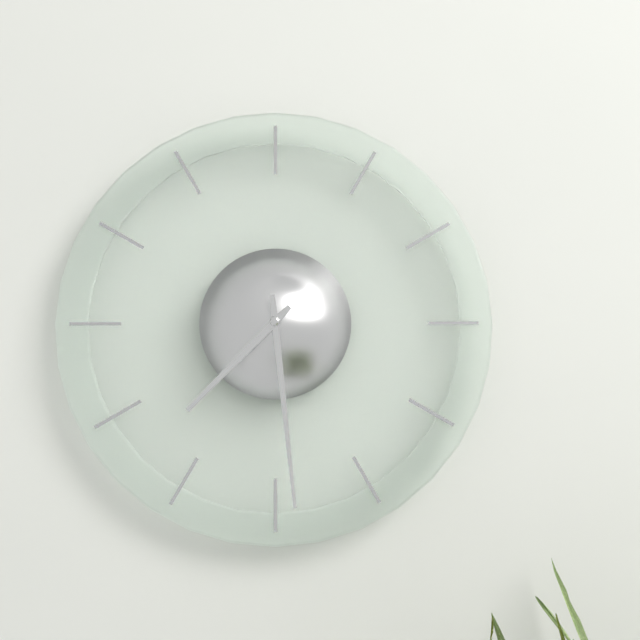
7.29
